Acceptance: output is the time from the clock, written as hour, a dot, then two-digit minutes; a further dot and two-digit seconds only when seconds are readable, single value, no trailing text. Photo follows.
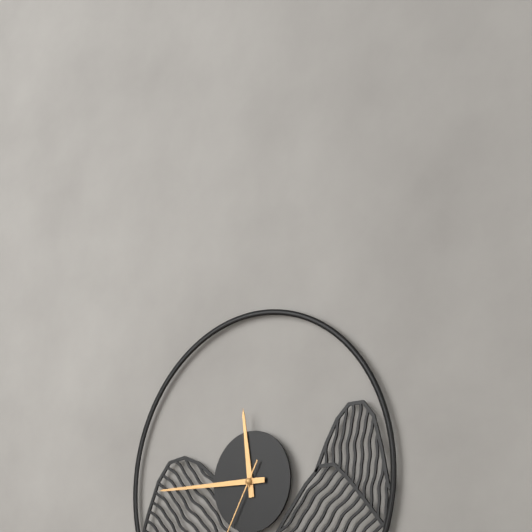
11.45
